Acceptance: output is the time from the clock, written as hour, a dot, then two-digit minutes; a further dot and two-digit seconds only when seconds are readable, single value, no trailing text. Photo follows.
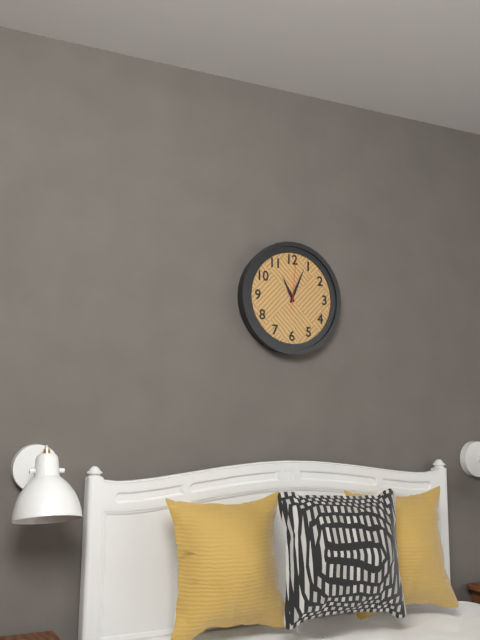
11.04.01
